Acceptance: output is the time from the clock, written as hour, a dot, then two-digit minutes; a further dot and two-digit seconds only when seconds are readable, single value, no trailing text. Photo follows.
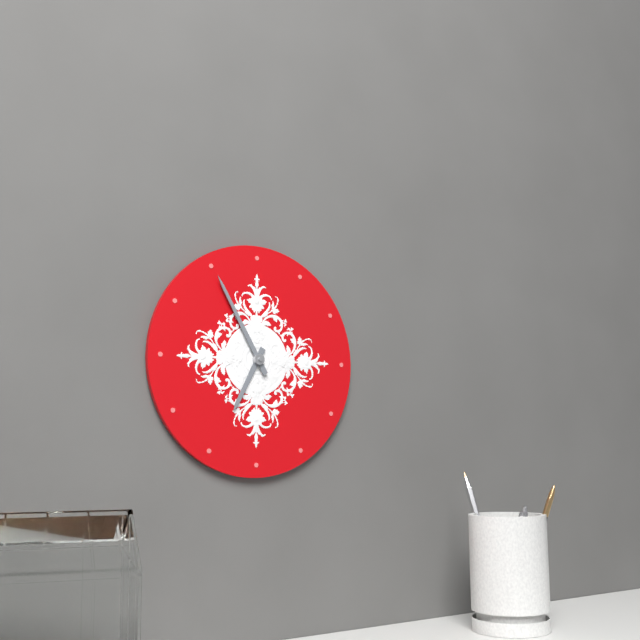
6.55
